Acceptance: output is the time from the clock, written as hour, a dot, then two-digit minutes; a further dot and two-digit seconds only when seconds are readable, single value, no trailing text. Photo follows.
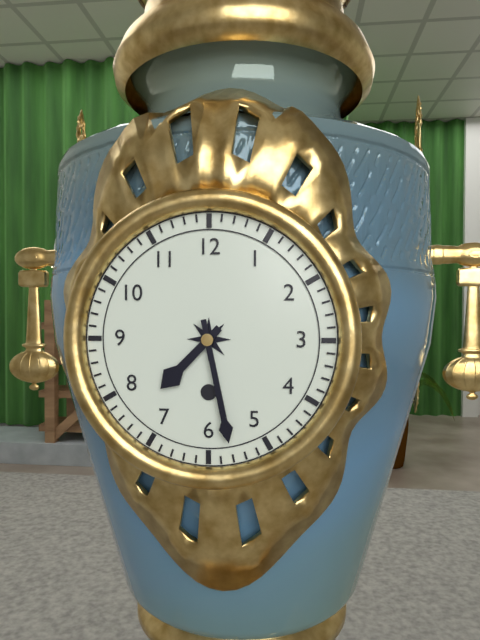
7.28
